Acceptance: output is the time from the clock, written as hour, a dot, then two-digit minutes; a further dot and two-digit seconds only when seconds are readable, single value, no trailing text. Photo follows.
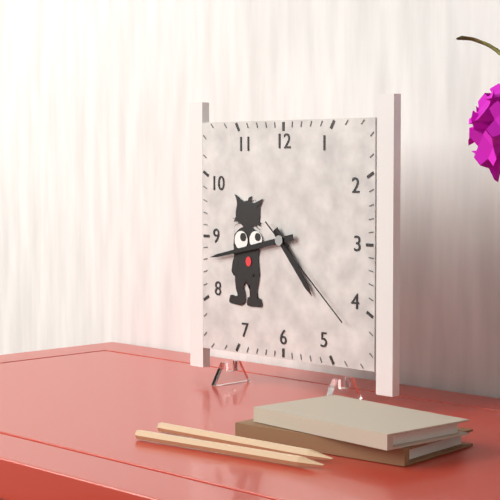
4.43.22
